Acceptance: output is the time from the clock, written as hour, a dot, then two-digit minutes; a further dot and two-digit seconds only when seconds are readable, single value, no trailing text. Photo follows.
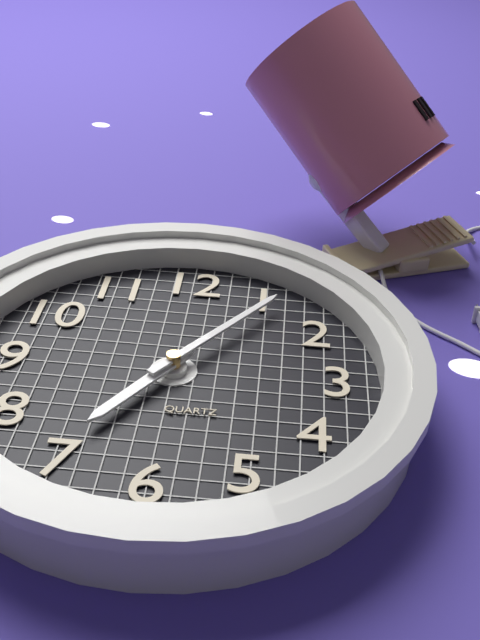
7.06
